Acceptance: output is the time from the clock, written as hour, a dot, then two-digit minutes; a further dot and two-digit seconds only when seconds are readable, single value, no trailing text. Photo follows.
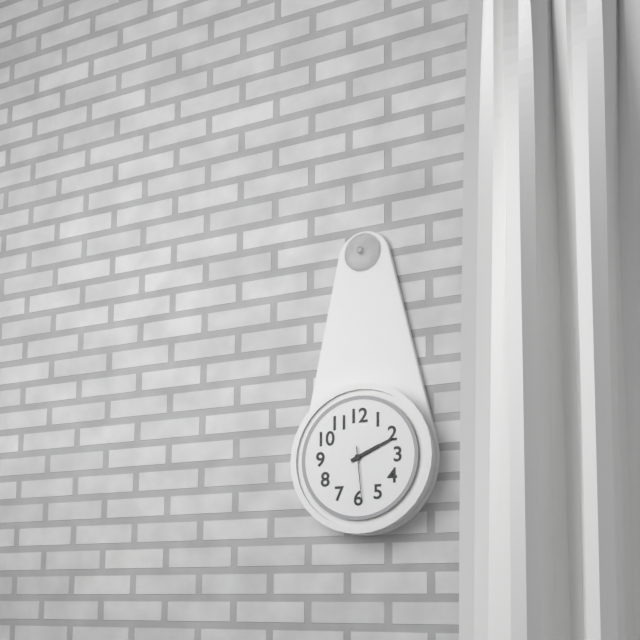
2.11.29
